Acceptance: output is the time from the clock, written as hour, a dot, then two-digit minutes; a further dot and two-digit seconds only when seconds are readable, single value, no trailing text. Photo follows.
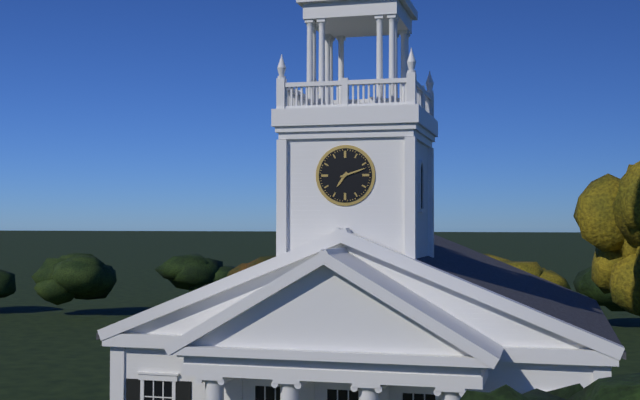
7.12
